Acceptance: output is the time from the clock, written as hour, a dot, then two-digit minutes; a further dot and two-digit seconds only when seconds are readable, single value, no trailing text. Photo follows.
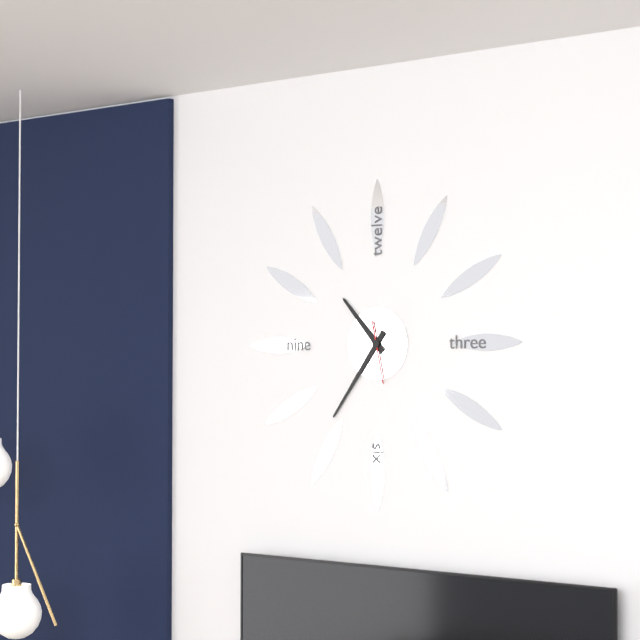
10.36.28
